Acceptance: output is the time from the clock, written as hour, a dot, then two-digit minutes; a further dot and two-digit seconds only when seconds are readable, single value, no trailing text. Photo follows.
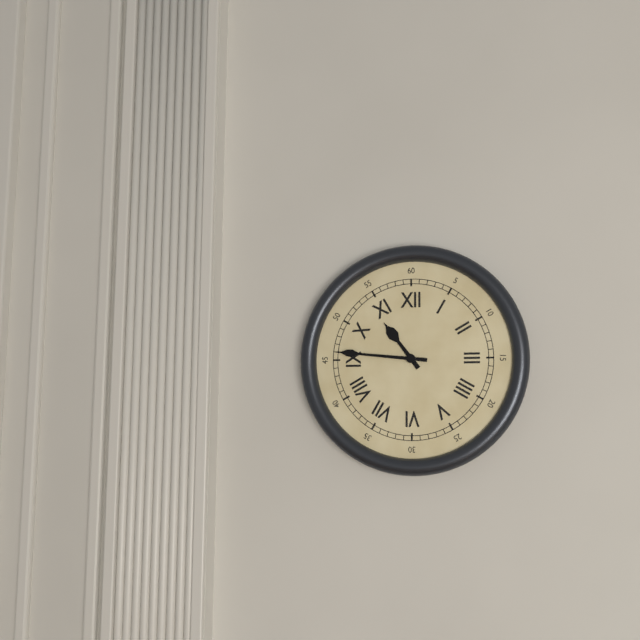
10.46
